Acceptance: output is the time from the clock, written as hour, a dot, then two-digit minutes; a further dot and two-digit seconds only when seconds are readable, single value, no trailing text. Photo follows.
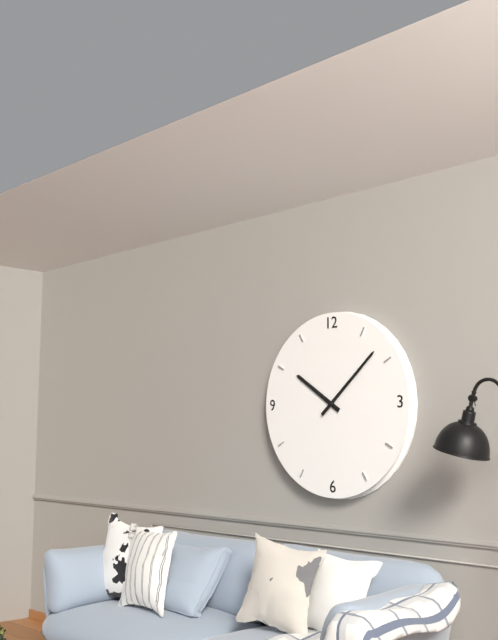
10.08
